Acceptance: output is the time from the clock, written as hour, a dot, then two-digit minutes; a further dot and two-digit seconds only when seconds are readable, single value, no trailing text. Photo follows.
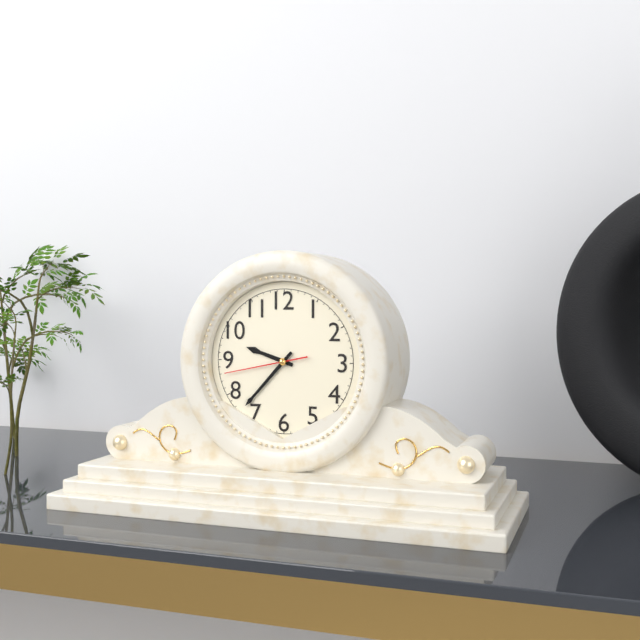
9.37.43
